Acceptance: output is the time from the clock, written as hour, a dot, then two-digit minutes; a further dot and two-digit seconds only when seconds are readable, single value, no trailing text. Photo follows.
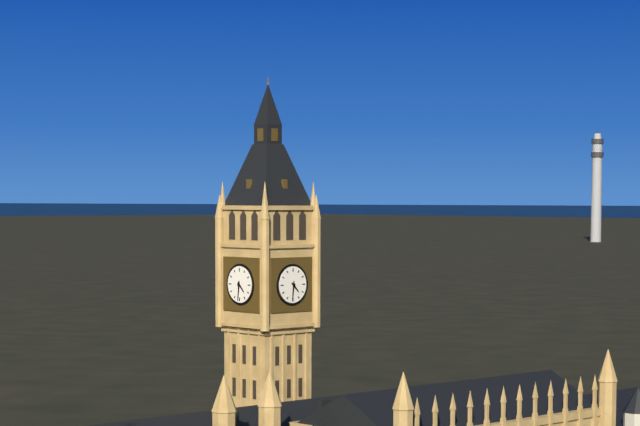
4.31
